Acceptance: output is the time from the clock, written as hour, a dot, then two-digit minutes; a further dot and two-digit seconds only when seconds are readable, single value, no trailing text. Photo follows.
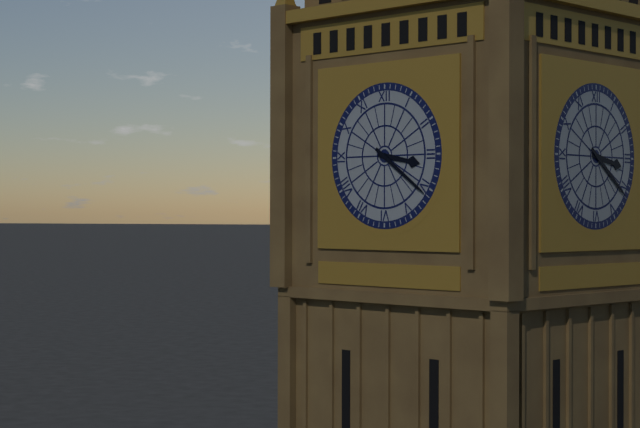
3.21
